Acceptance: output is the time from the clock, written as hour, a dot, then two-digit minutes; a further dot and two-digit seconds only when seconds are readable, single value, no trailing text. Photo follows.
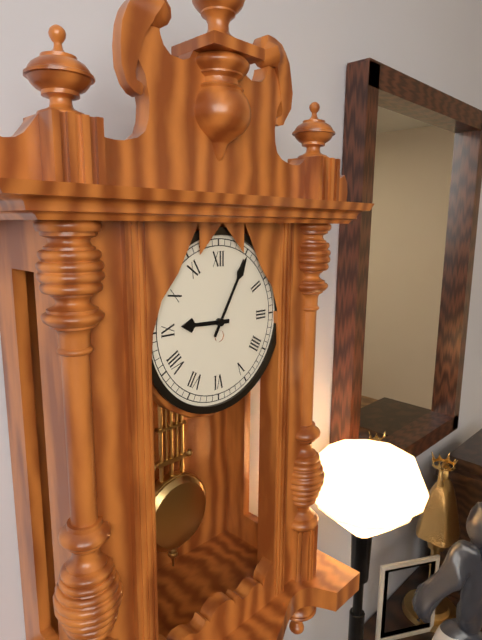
9.05
